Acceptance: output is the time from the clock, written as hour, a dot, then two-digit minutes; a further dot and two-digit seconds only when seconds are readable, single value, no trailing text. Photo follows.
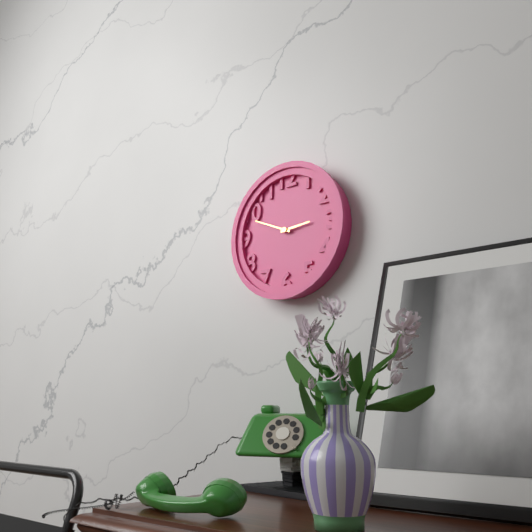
2.49
